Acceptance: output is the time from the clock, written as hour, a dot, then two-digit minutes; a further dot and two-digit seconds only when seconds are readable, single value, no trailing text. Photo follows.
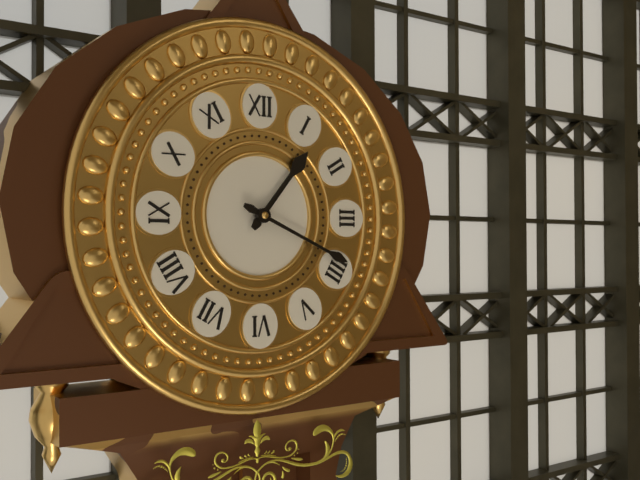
1.19
